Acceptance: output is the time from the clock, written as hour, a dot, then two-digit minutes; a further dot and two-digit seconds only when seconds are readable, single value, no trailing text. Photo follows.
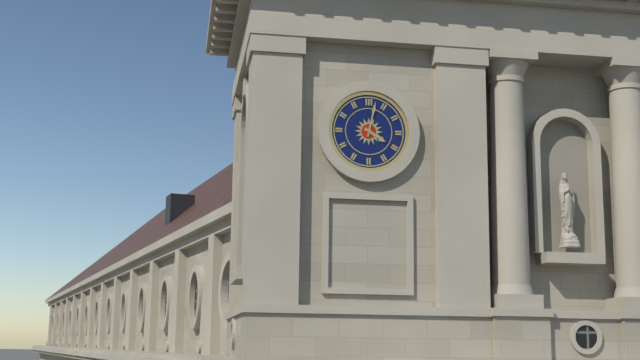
4.02
